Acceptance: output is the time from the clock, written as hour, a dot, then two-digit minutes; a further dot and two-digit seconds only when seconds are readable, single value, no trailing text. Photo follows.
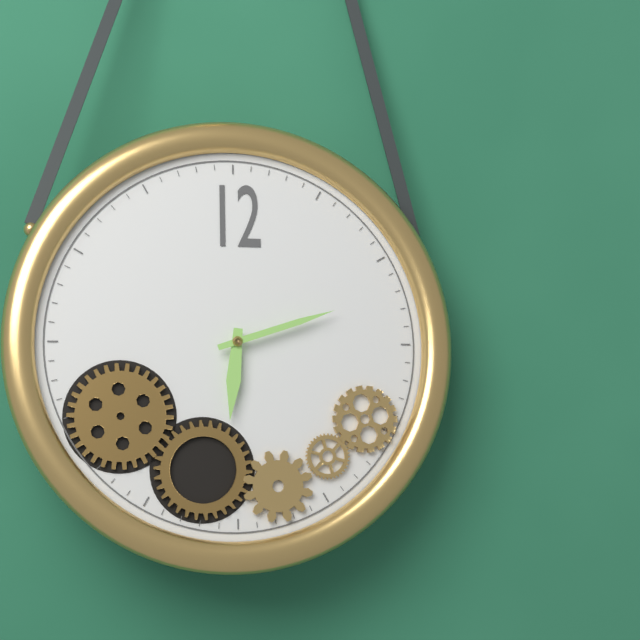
6.12
